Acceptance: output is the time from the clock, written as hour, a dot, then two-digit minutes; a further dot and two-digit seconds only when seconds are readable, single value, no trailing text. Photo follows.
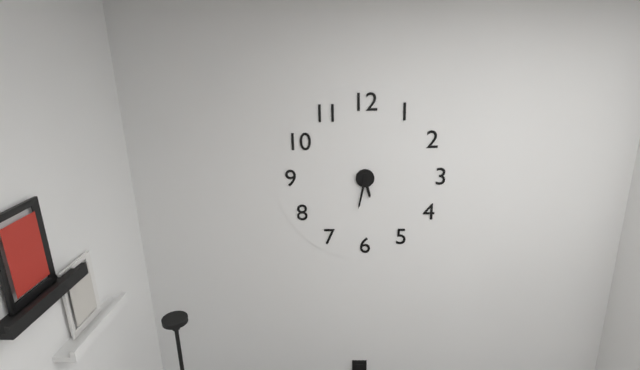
5.32
